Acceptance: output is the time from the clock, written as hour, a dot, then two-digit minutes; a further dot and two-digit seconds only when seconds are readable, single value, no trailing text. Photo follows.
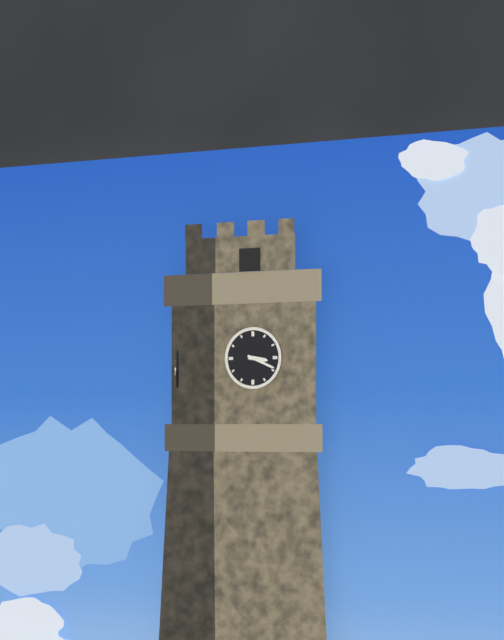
3.19
